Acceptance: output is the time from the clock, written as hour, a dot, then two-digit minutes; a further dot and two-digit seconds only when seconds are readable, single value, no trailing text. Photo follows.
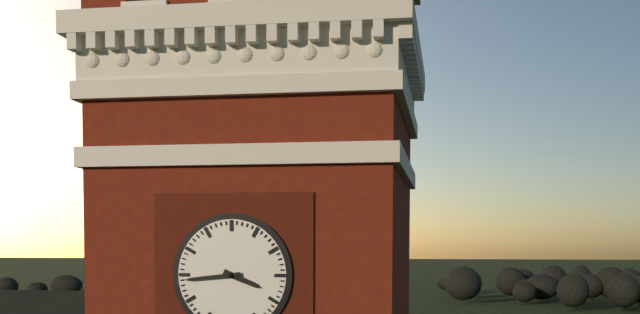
3.44
